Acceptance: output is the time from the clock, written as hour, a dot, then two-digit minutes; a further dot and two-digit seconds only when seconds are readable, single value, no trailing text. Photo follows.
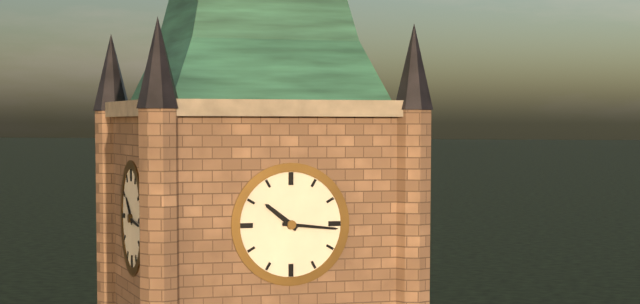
10.16
